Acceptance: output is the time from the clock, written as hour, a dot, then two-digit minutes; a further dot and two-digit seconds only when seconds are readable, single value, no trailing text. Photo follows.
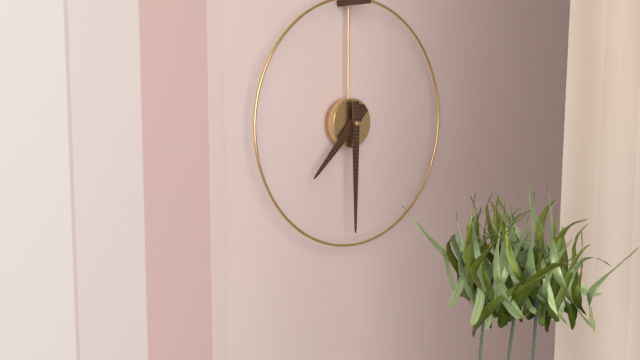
7.30
